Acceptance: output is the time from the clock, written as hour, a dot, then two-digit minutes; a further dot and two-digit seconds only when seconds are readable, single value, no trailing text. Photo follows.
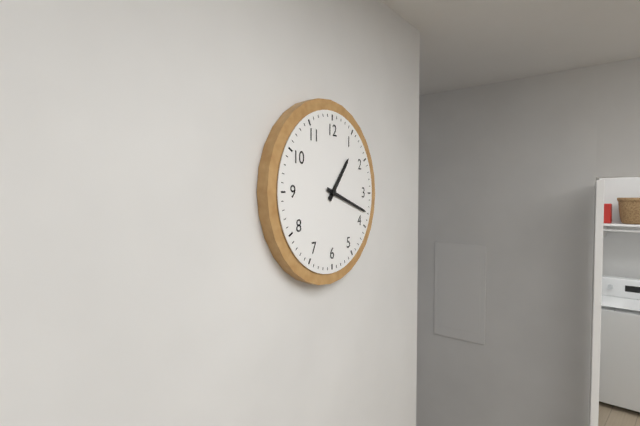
1.18
